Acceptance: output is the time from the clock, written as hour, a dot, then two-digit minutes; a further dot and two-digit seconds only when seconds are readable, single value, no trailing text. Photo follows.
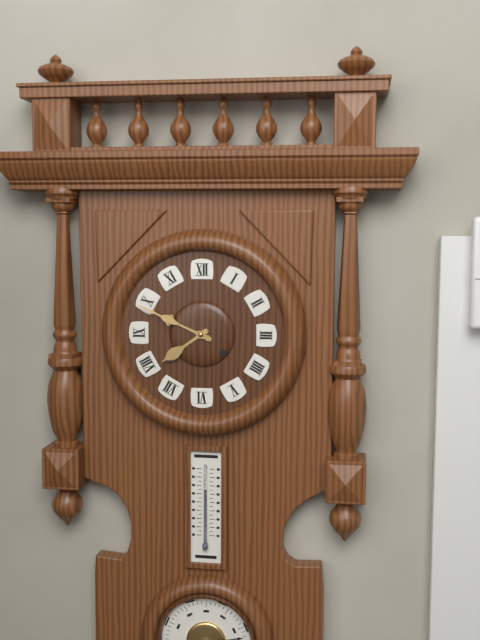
7.49
